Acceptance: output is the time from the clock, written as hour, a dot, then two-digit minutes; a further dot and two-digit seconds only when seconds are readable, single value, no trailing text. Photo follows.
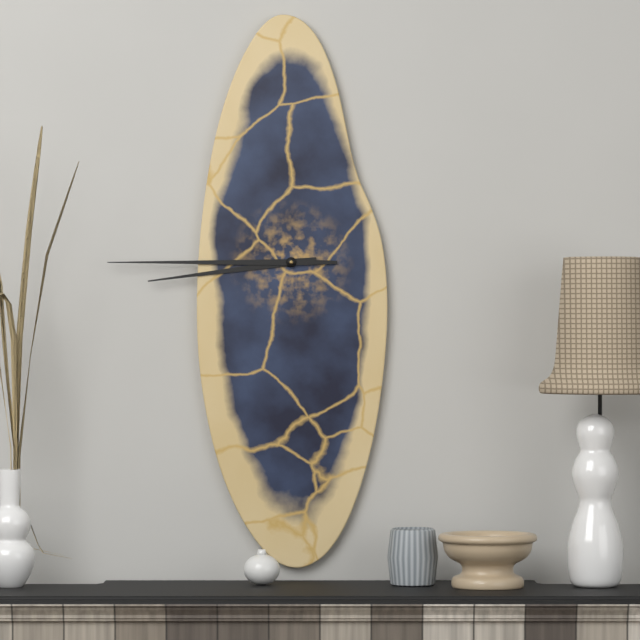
8.45
